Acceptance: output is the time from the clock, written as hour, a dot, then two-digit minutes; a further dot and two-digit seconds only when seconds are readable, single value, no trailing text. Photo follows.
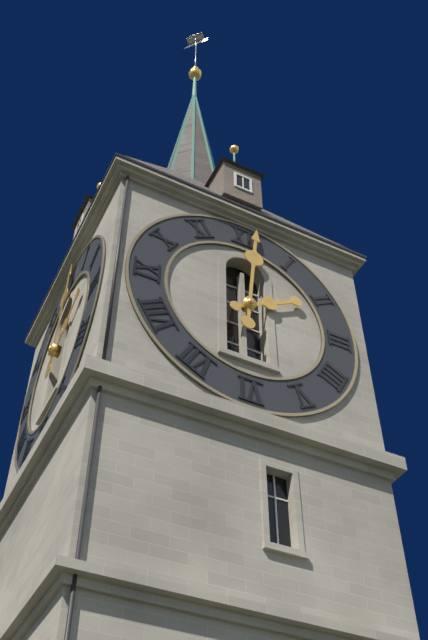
2.01
